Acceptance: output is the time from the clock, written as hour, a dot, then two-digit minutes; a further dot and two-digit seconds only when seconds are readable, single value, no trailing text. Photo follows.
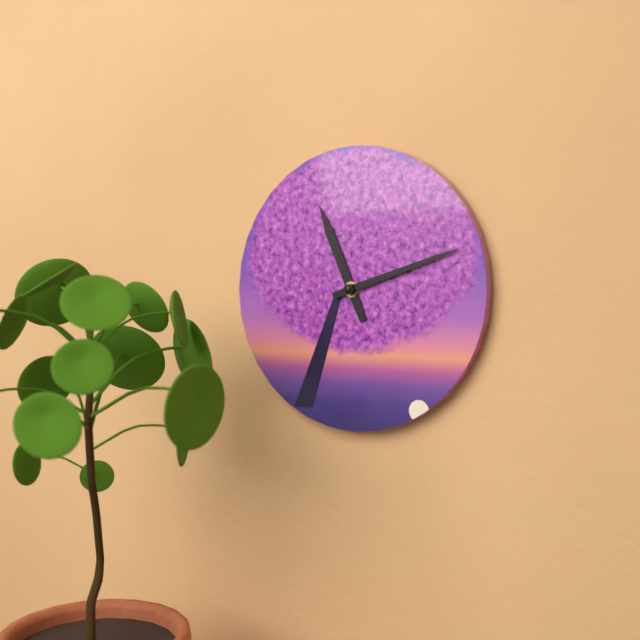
11.12
